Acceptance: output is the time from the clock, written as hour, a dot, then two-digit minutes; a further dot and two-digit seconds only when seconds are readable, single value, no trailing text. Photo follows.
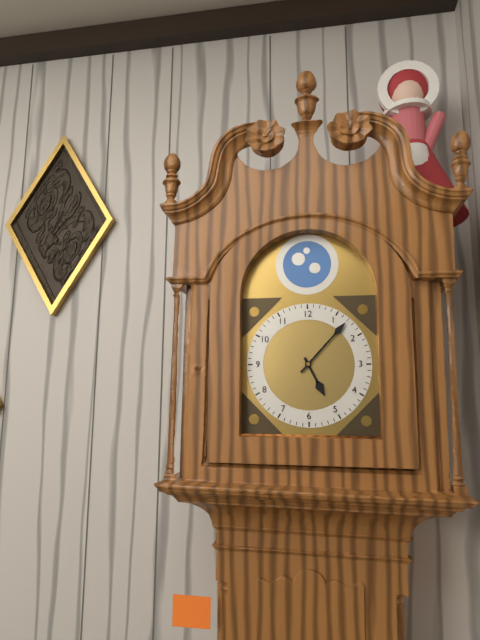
5.07
